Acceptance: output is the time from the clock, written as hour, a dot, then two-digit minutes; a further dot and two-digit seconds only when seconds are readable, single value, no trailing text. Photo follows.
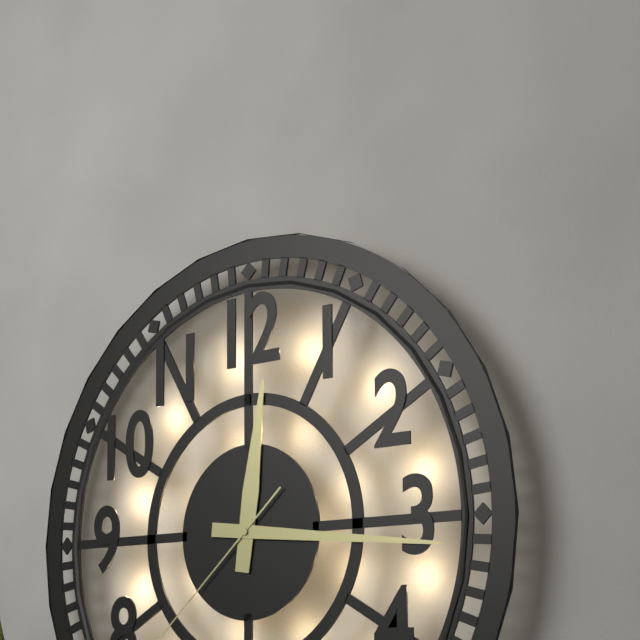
12.16
